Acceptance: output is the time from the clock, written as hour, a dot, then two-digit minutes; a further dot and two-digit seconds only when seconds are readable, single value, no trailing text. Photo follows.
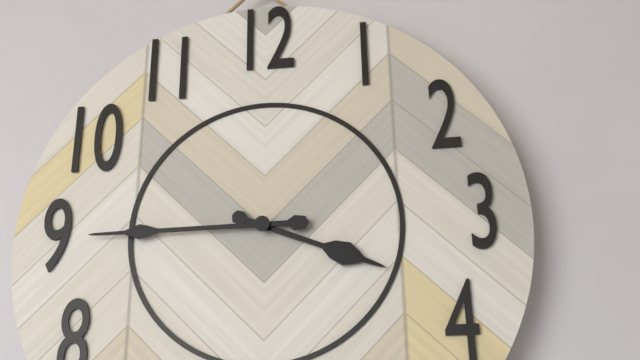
3.45
